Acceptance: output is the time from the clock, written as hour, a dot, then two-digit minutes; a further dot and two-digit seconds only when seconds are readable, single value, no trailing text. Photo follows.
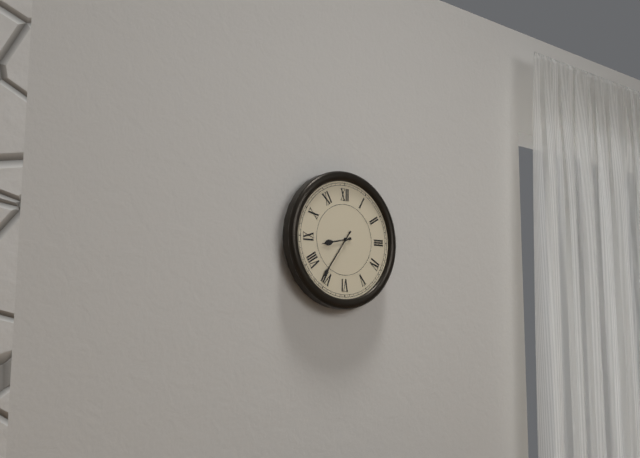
8.36
